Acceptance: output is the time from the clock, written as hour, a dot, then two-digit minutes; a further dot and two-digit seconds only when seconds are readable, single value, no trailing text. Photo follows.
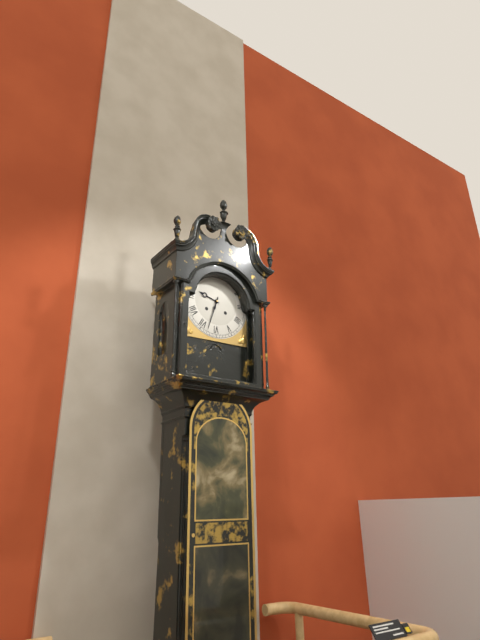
9.33
